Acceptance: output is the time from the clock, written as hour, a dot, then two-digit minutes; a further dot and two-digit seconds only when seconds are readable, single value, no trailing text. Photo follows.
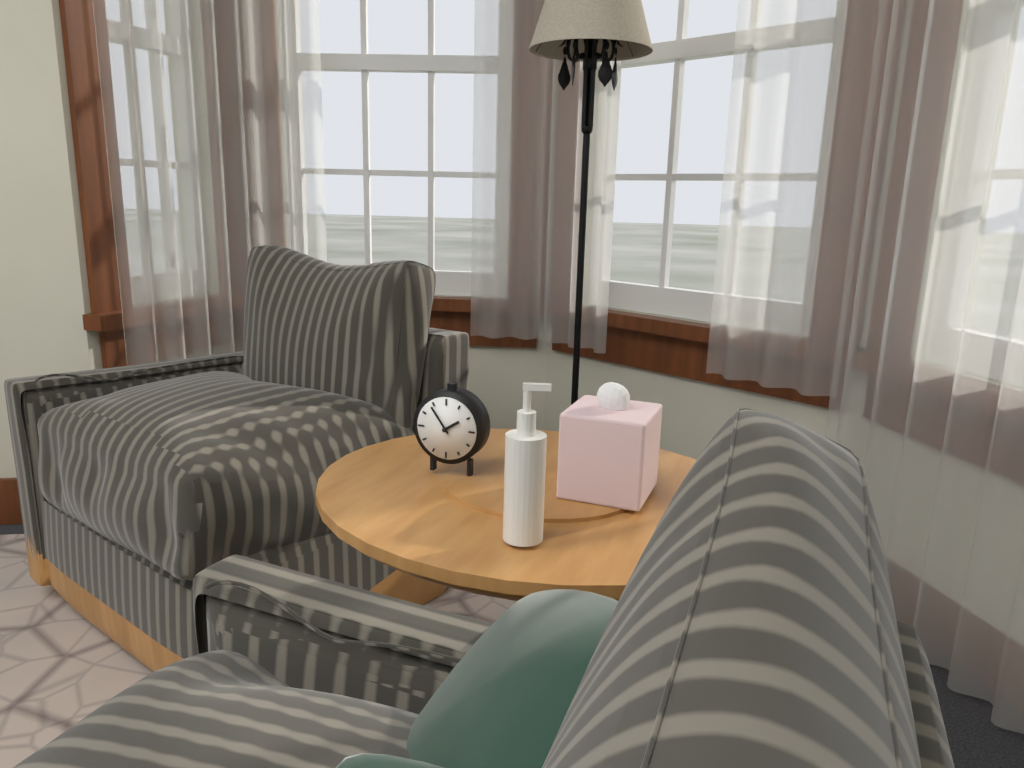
1.54
